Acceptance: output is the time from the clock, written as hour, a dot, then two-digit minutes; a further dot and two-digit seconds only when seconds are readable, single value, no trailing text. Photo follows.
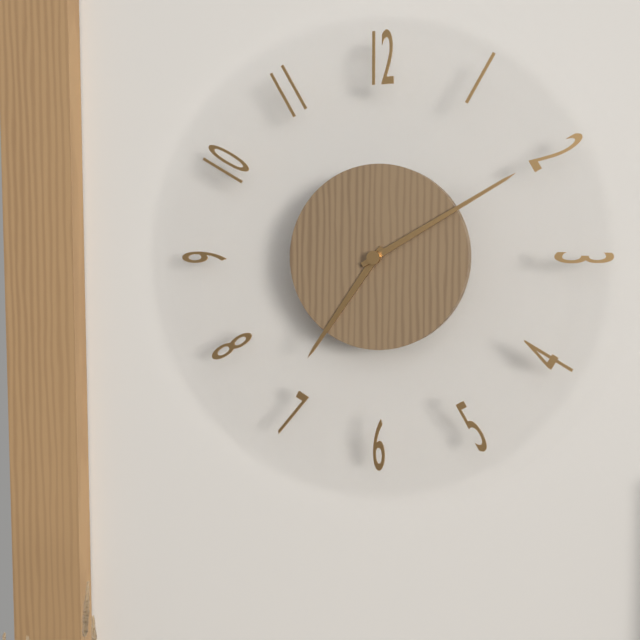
7.10
